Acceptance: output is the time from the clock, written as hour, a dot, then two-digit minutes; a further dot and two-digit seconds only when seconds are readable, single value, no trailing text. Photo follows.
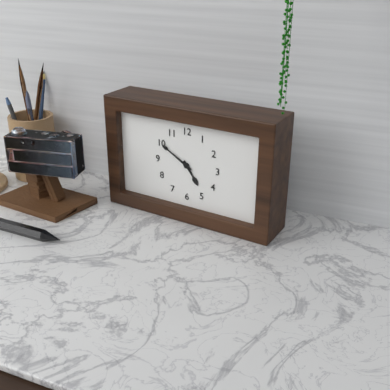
4.50
